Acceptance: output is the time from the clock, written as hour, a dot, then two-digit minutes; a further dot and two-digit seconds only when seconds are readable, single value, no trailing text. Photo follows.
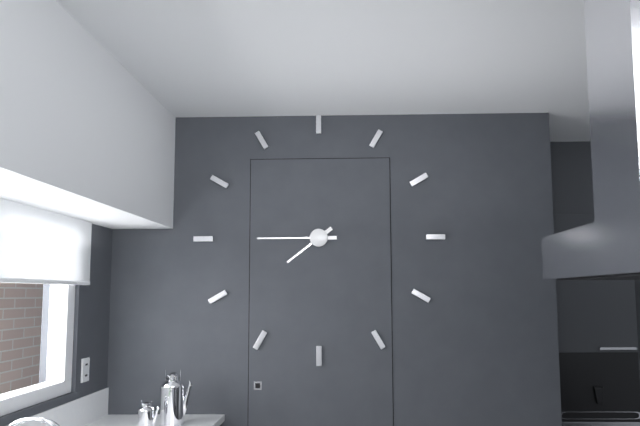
7.45
